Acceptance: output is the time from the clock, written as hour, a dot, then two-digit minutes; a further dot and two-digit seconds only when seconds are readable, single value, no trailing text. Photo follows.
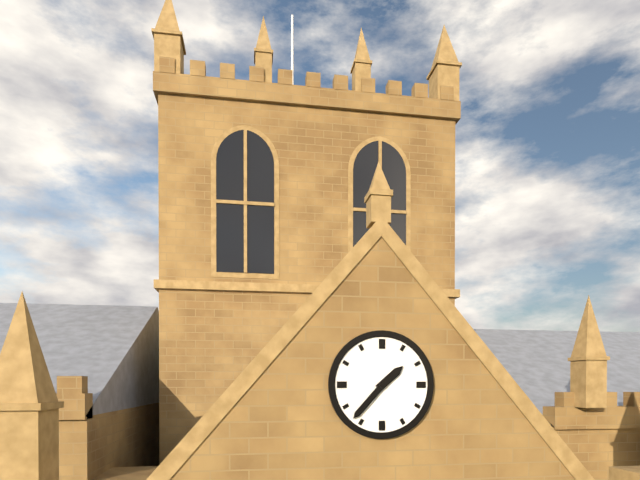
1.37
